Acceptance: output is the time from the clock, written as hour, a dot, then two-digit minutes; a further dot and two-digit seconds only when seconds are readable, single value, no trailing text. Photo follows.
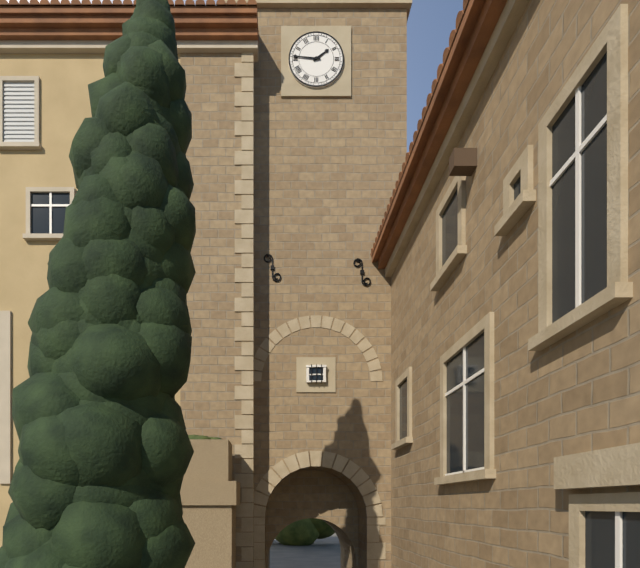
1.46
